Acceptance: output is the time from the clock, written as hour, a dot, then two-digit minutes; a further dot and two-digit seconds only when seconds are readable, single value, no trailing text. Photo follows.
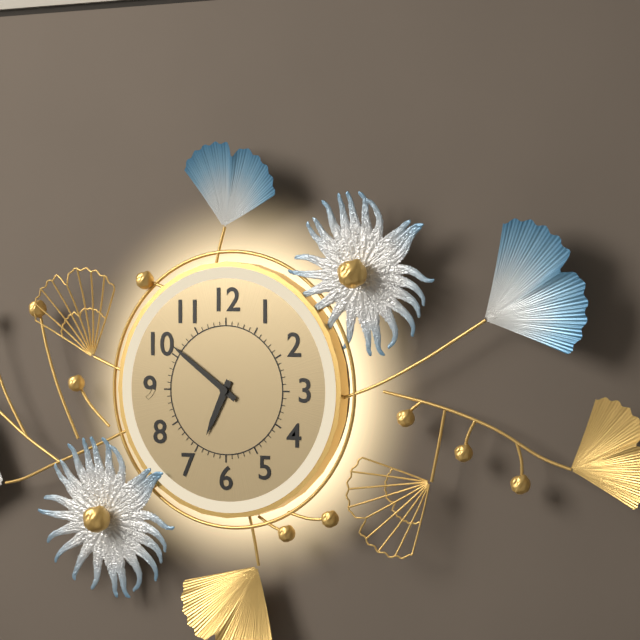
6.51
